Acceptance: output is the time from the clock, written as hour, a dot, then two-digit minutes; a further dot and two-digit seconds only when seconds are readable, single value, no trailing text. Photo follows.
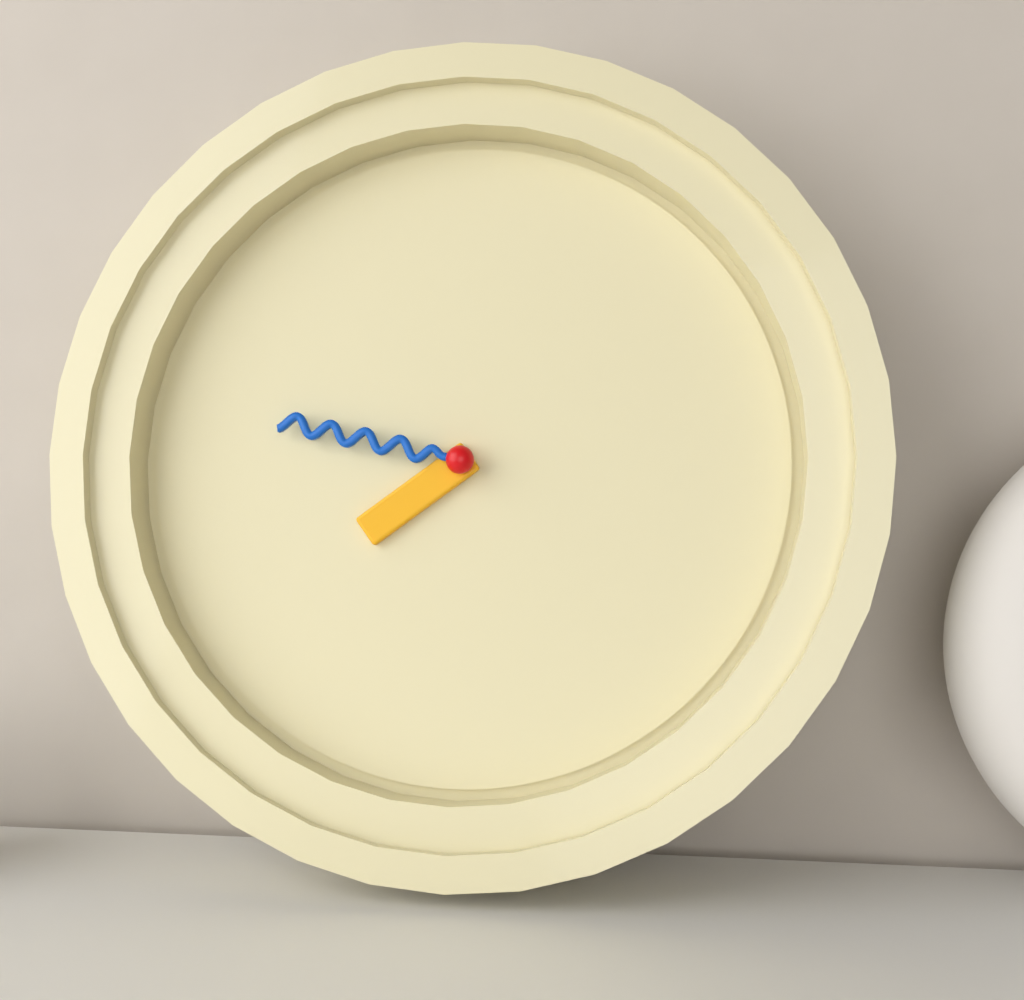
7.47
